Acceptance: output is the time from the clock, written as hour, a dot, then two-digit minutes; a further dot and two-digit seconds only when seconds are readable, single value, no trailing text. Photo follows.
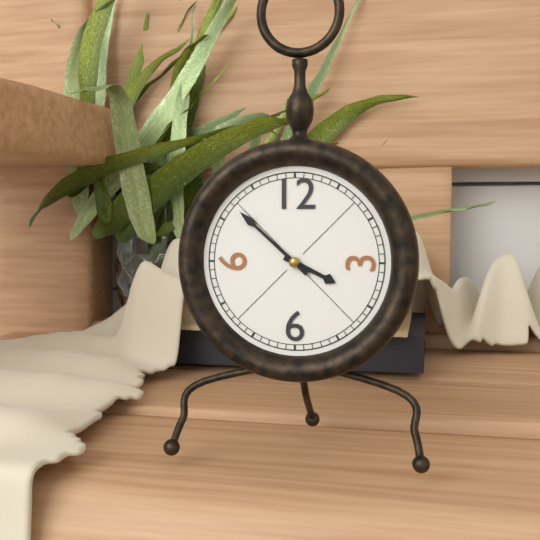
3.52
